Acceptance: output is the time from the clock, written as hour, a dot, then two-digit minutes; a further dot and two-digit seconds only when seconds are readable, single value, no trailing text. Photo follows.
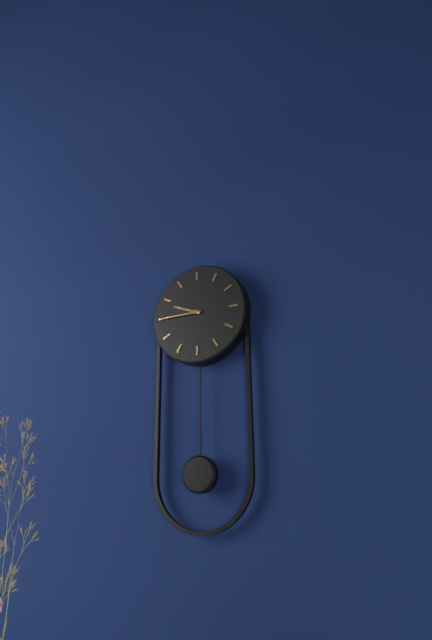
9.45
